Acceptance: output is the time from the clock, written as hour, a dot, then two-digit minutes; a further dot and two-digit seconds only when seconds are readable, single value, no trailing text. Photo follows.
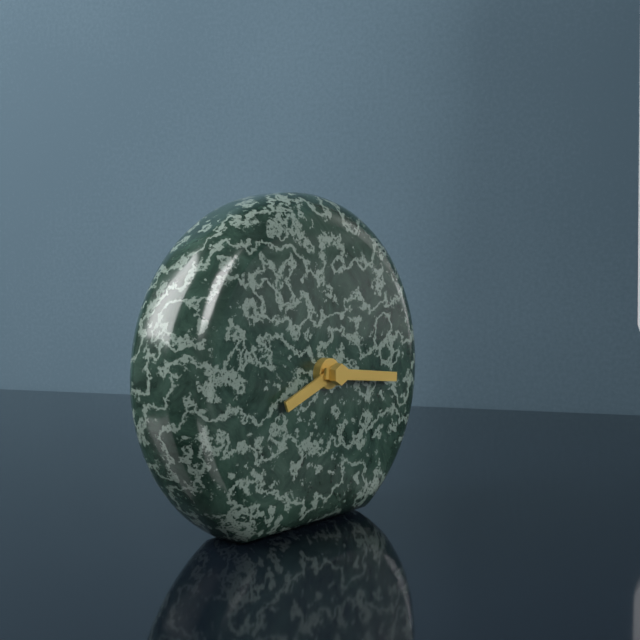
8.16
